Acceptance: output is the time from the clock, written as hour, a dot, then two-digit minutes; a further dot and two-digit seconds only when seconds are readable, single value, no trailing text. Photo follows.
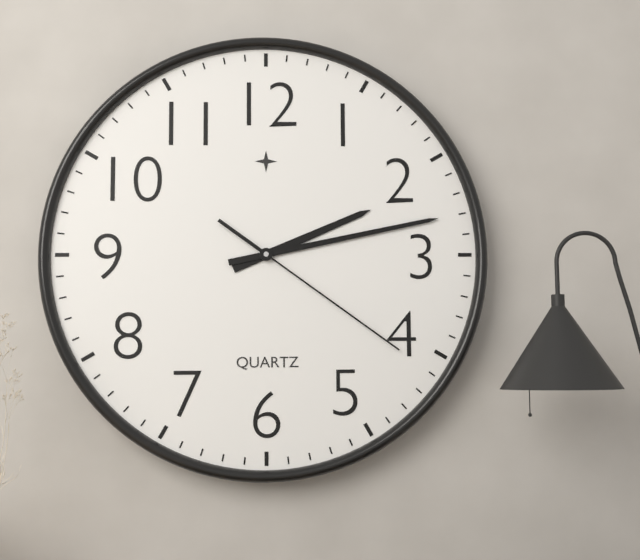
2.13.21
